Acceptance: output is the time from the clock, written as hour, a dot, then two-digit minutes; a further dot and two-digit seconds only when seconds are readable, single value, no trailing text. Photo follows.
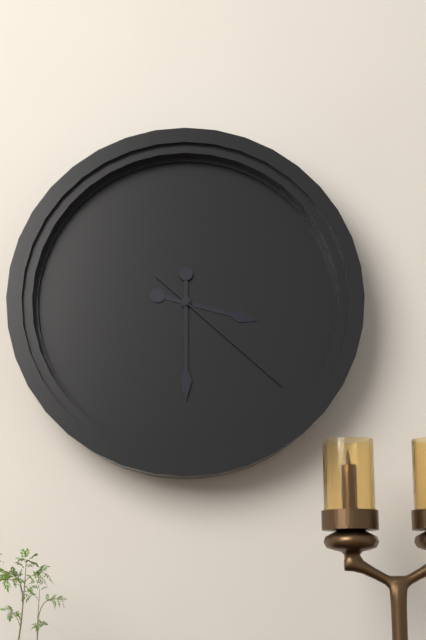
3.30.22
